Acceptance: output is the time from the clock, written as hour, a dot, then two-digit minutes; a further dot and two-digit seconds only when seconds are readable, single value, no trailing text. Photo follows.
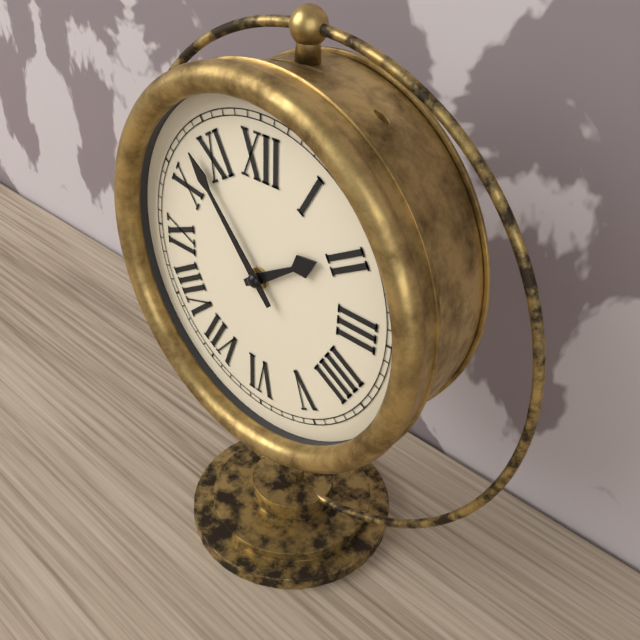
1.53
